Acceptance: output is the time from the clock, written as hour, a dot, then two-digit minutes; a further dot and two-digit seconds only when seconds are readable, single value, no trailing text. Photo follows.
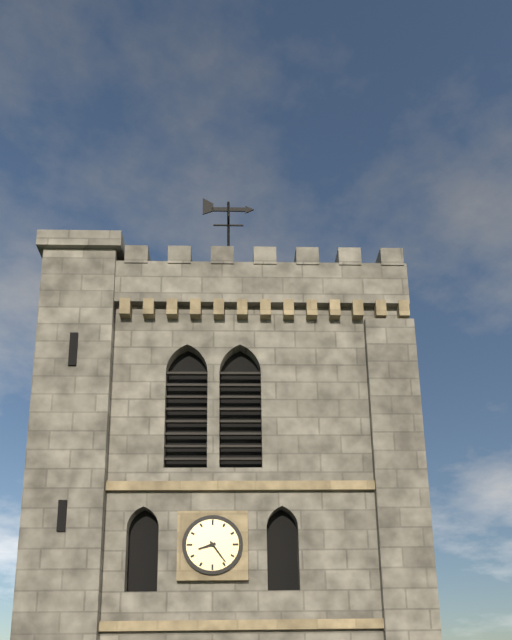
8.24
